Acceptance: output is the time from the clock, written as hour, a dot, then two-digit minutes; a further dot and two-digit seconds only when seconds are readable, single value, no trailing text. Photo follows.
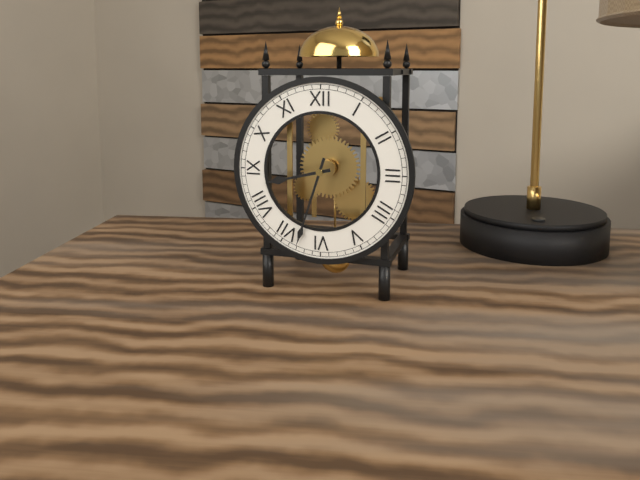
8.33
